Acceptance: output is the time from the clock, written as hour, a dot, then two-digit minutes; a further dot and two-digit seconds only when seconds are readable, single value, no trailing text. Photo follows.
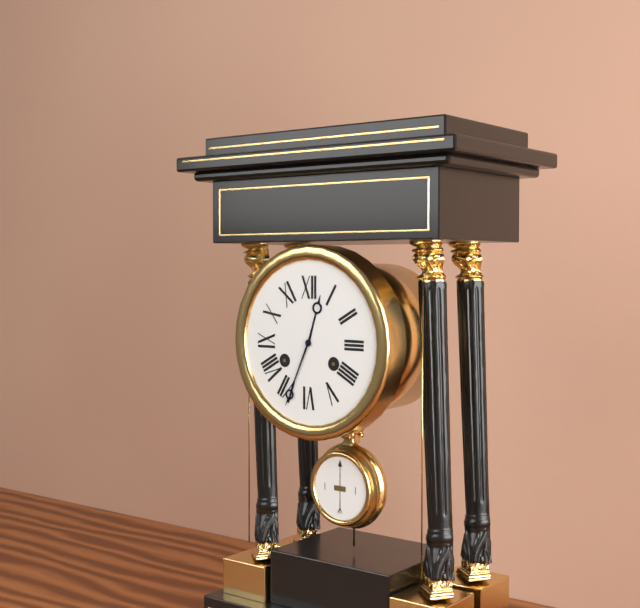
12.34
